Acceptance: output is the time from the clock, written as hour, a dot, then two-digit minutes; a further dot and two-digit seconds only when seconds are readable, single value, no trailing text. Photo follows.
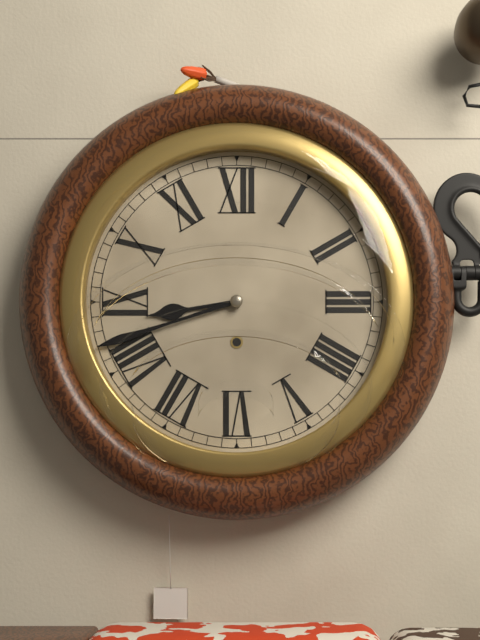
8.42
